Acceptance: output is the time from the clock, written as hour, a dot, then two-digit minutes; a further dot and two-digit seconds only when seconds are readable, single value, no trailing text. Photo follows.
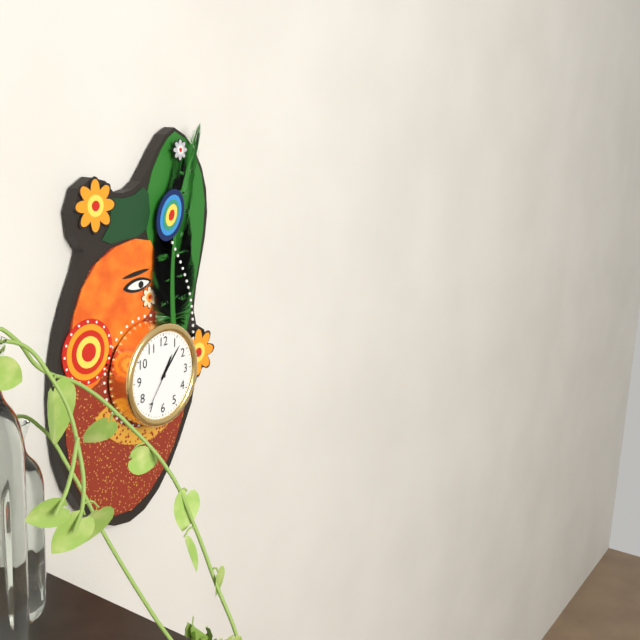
1.07
